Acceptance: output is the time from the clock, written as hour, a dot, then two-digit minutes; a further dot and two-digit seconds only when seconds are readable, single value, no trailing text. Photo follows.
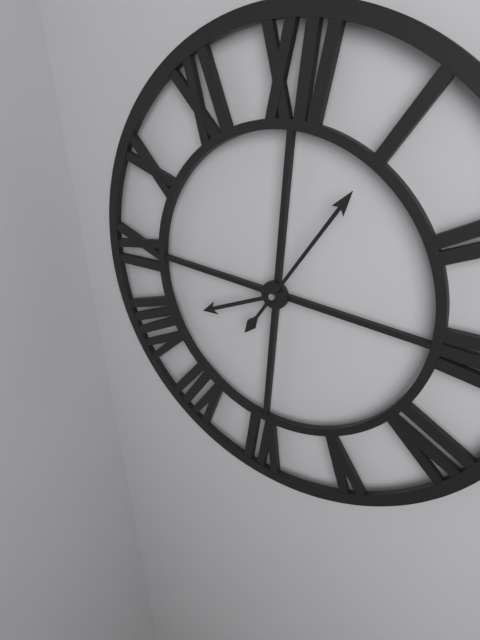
8.05
